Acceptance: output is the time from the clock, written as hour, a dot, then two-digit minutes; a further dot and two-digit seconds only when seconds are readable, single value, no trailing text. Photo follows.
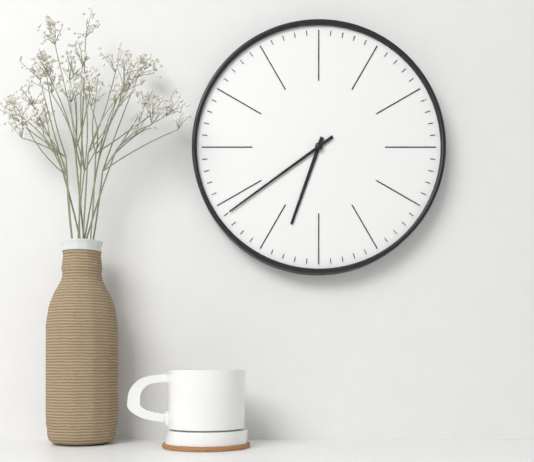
6.39
